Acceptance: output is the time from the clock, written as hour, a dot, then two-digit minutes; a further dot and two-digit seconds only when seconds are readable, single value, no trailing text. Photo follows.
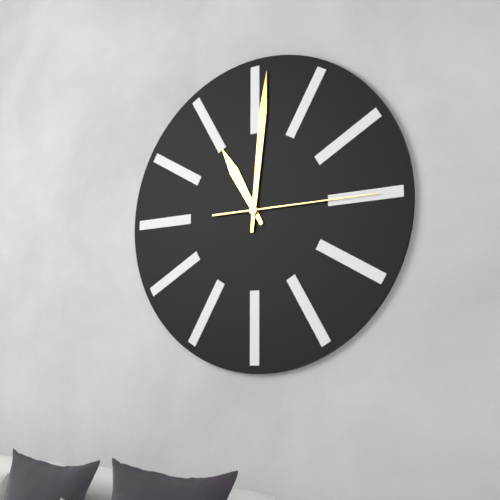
11.01.15
